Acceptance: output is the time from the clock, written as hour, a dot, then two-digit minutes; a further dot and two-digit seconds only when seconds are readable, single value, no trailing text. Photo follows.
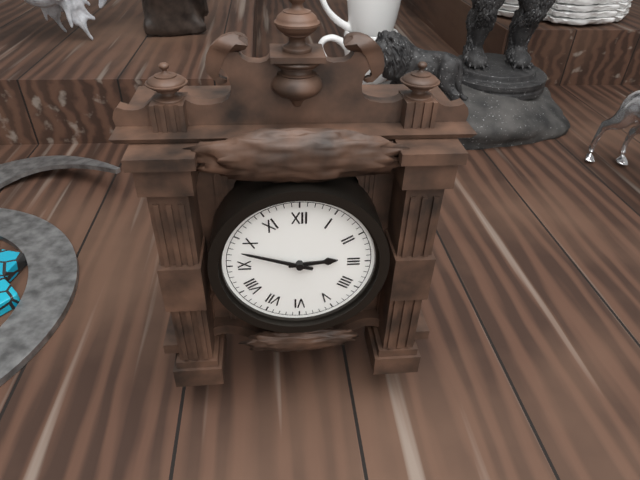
2.48
